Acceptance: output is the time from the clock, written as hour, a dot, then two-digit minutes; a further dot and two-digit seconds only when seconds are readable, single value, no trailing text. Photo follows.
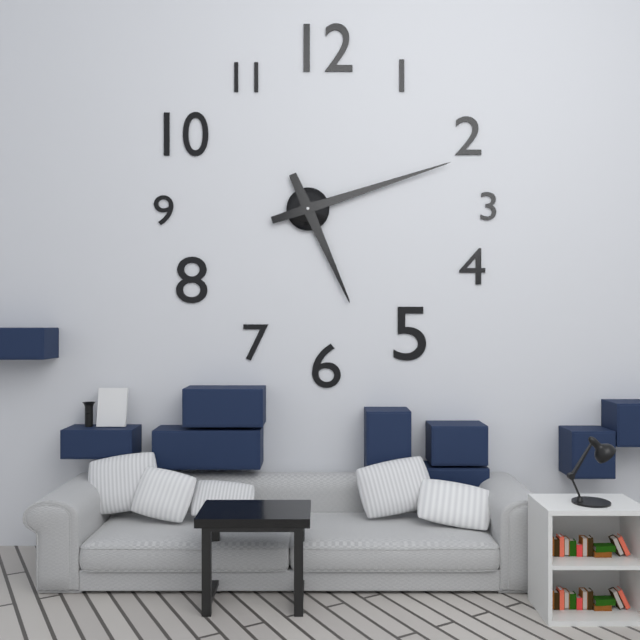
5.12
